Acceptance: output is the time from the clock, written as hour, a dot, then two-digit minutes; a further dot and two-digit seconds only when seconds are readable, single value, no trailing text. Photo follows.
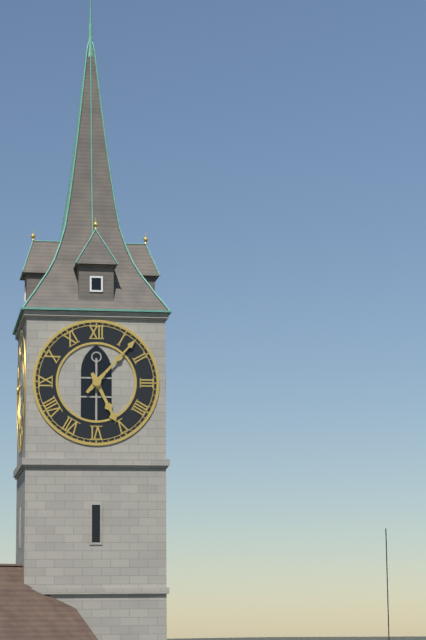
5.07
